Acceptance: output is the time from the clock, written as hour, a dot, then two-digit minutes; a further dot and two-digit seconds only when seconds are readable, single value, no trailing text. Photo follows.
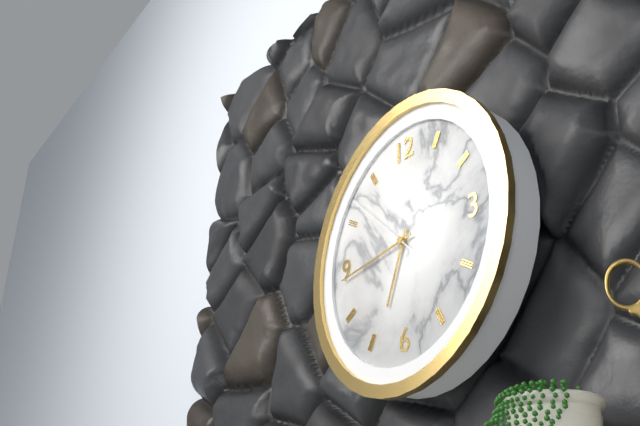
6.44.52
